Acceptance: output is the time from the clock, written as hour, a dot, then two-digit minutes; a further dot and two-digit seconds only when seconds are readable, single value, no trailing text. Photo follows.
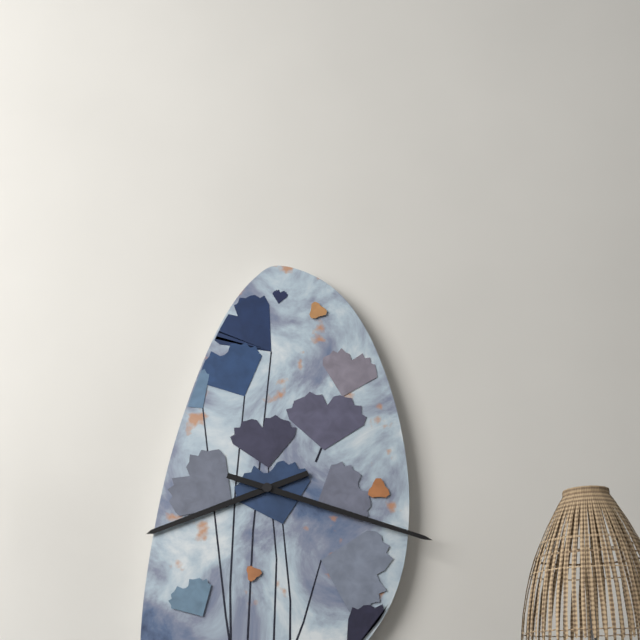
8.18
